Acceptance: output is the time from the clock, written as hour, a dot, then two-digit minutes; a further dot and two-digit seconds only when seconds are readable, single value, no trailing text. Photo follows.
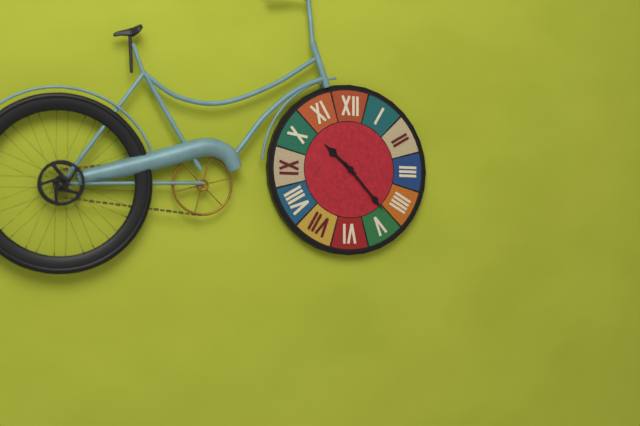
10.23
